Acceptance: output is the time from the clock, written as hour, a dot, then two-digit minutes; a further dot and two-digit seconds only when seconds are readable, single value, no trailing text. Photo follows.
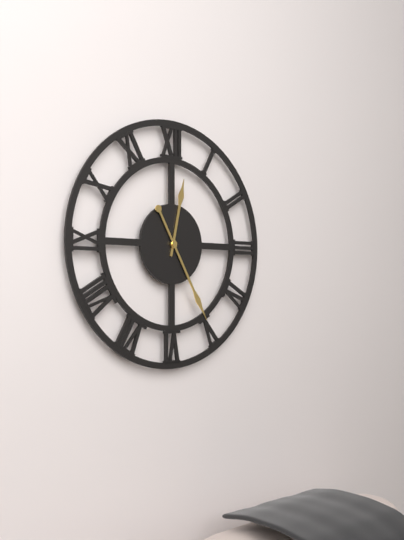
12.25
